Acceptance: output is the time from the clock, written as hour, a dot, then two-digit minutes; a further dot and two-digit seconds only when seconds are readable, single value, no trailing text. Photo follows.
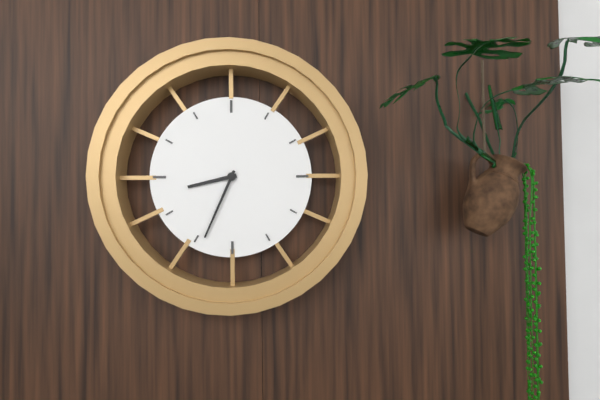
8.34
